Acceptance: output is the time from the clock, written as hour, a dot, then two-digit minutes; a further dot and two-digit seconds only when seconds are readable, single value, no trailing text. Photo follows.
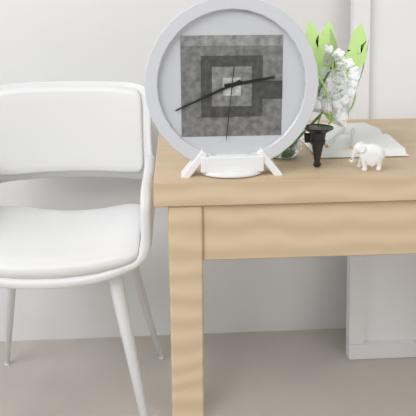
2.41.31
